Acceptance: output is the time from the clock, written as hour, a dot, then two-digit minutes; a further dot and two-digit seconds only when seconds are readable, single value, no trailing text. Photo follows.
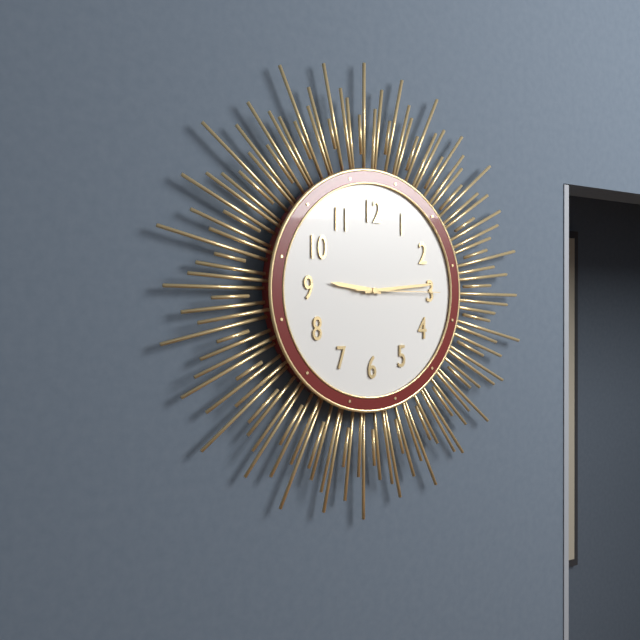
9.14.15
